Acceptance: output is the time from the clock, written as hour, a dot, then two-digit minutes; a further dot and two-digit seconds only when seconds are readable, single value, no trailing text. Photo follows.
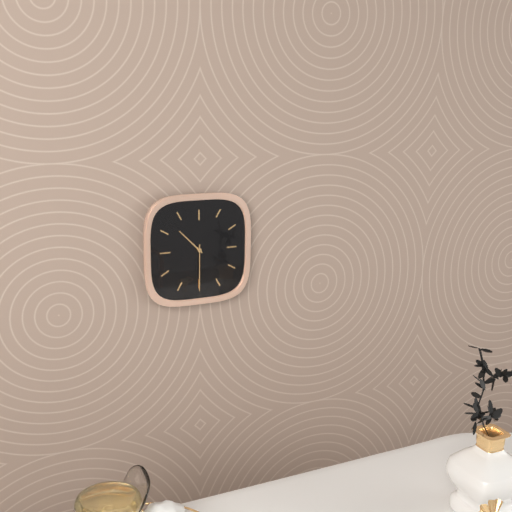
10.30
